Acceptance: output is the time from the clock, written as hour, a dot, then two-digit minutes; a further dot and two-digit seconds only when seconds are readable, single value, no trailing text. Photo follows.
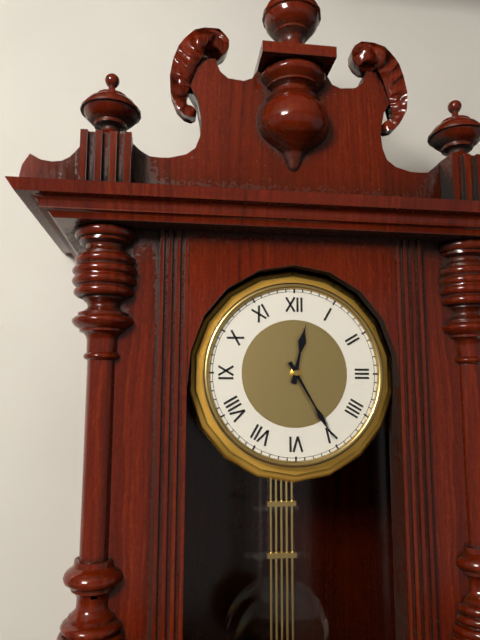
12.25
